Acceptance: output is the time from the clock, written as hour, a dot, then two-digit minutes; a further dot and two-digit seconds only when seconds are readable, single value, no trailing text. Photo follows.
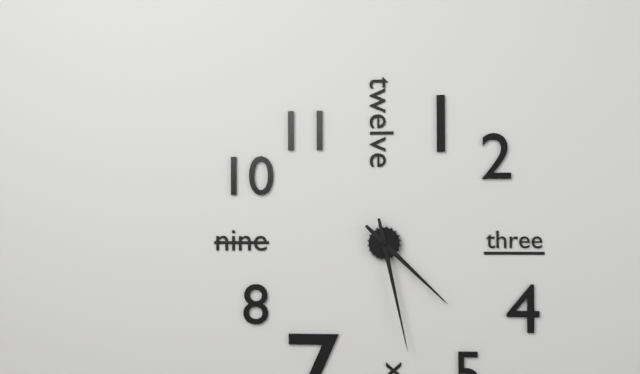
4.28
